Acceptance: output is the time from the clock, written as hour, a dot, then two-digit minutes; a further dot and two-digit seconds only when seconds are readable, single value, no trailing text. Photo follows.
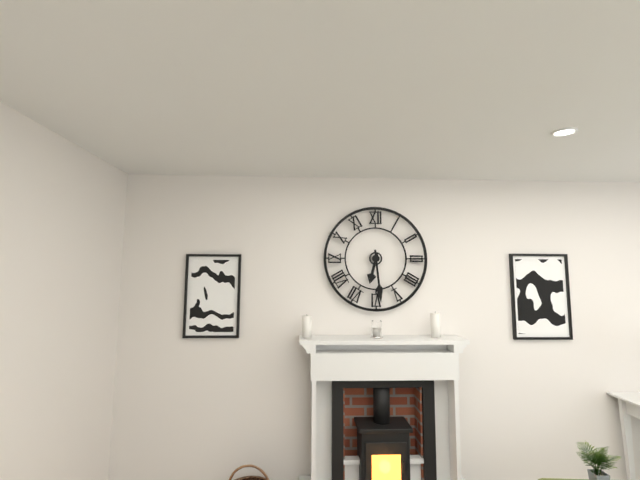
6.29
